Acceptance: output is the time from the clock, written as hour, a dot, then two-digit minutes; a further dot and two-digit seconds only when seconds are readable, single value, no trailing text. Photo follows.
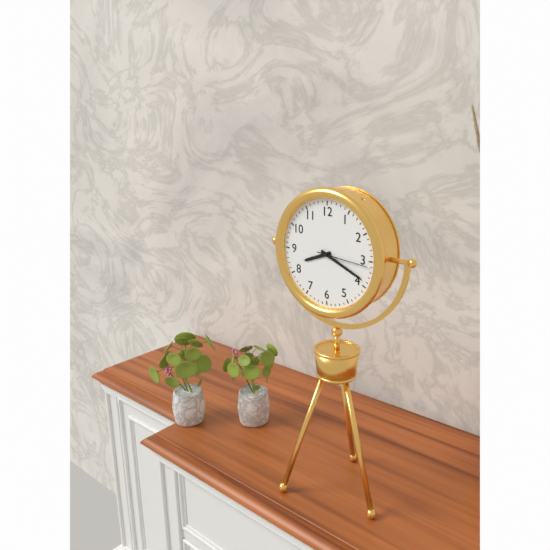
8.19.16
